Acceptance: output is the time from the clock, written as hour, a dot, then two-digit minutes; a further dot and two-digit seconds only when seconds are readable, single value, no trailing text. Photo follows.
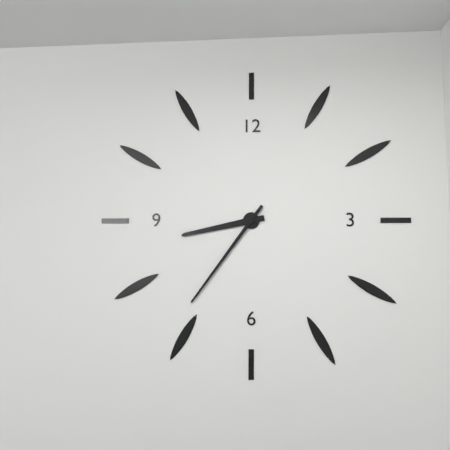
8.36
